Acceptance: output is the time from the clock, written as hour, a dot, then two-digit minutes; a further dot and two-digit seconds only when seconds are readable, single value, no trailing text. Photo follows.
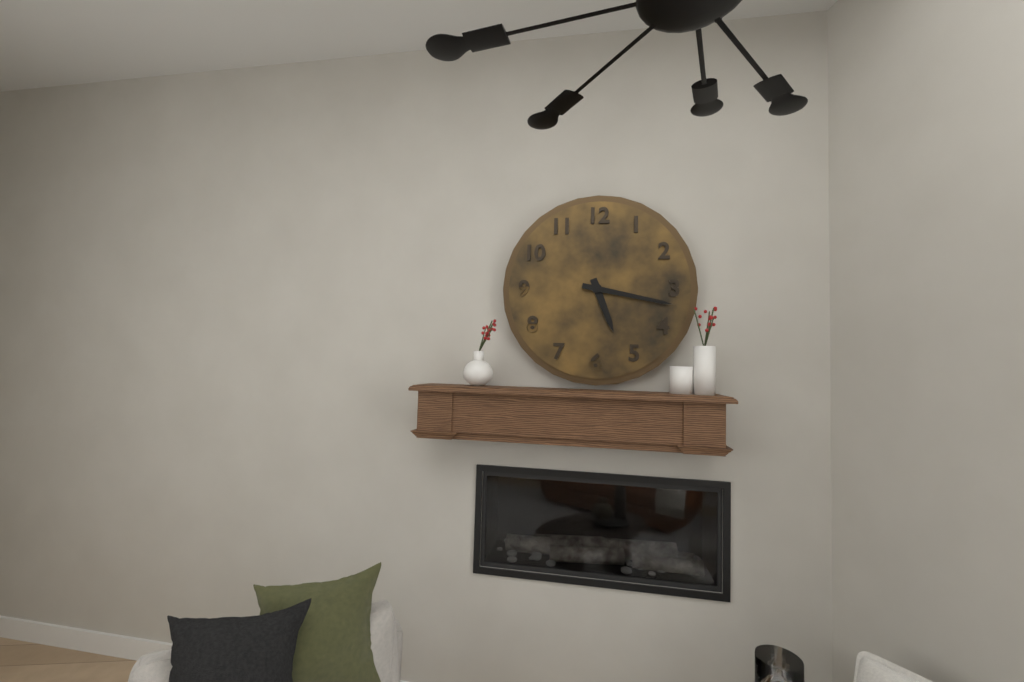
5.17
